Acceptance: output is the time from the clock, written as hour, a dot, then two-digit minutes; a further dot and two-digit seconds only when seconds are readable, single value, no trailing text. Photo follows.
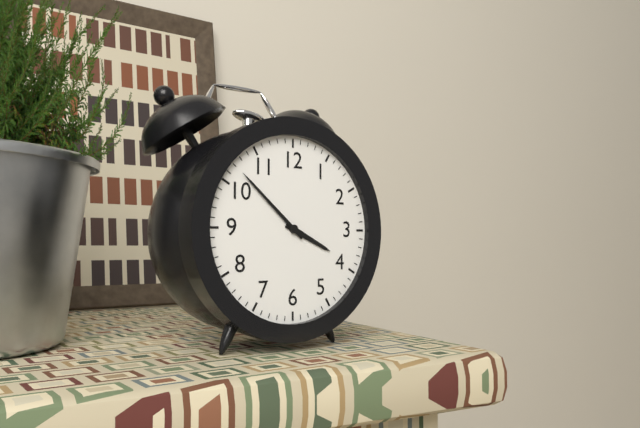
3.52
